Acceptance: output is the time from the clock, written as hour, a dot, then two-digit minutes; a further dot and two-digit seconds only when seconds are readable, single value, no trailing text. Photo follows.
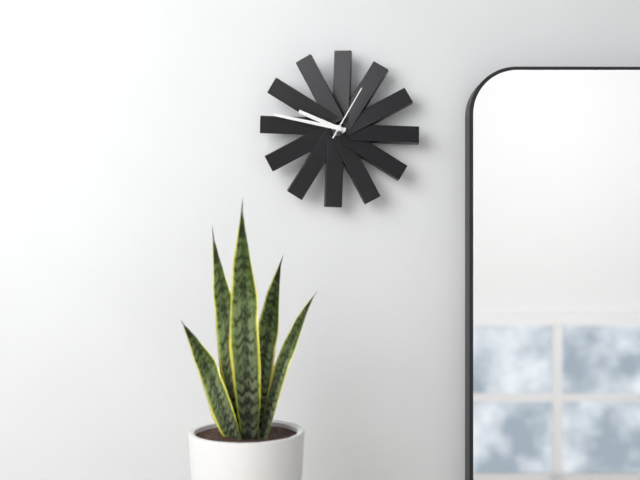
9.47.05
